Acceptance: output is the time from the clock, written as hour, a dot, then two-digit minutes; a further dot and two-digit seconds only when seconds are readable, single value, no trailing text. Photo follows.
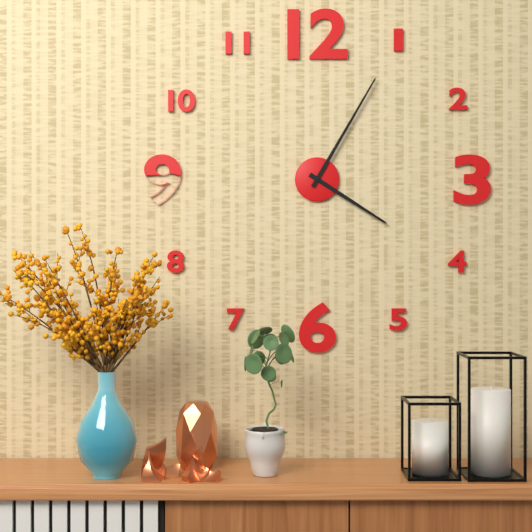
4.05
